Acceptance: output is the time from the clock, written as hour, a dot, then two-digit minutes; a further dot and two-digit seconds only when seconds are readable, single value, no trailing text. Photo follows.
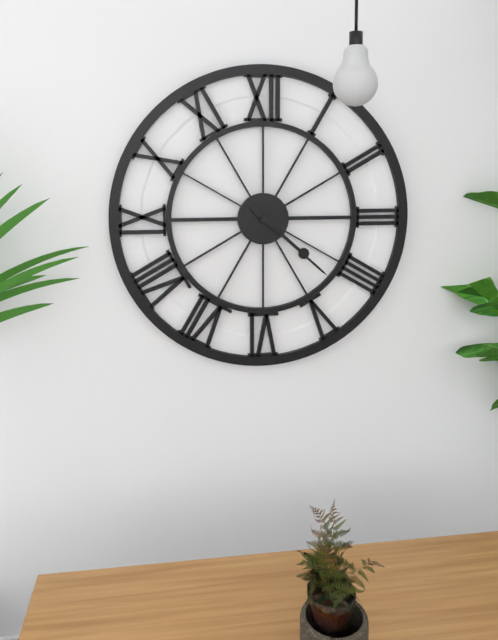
4.22
